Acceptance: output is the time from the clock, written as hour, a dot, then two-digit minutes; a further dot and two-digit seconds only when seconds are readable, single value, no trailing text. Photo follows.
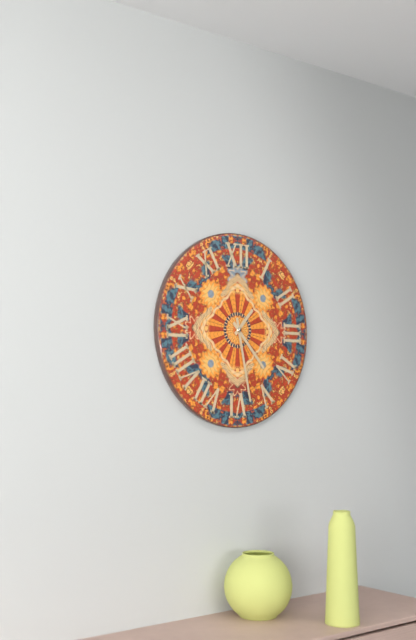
1.23.28
